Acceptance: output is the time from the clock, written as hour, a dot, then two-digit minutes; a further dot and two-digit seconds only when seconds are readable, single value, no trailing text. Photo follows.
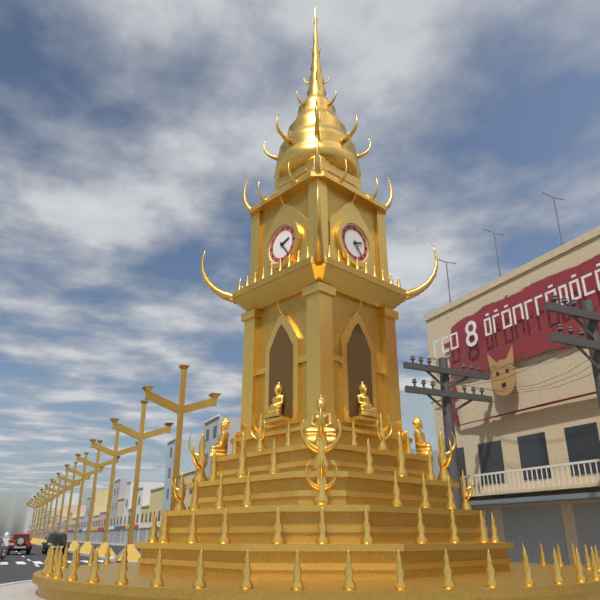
2.24
